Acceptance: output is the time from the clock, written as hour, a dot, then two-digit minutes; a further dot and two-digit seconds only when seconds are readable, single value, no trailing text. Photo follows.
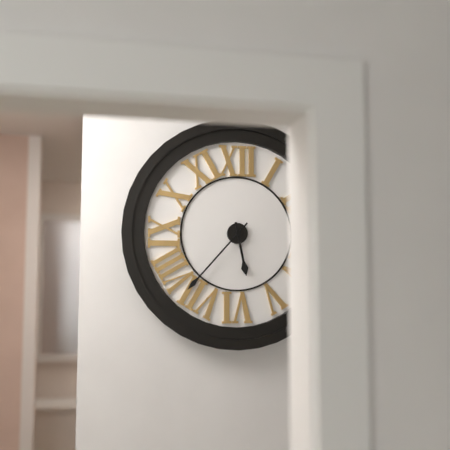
5.37
